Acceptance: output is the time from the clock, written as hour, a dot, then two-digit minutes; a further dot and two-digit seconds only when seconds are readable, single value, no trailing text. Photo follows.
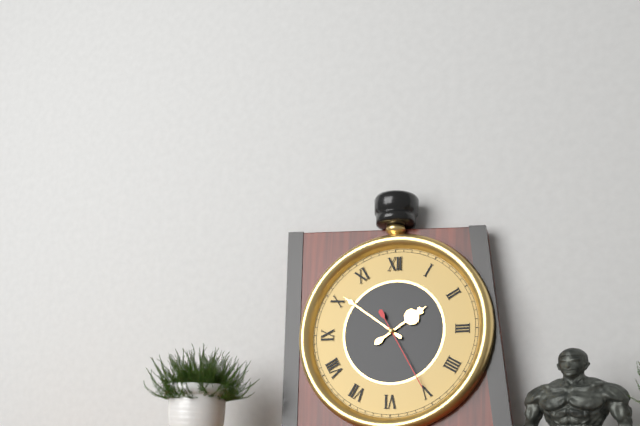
1.51.25
